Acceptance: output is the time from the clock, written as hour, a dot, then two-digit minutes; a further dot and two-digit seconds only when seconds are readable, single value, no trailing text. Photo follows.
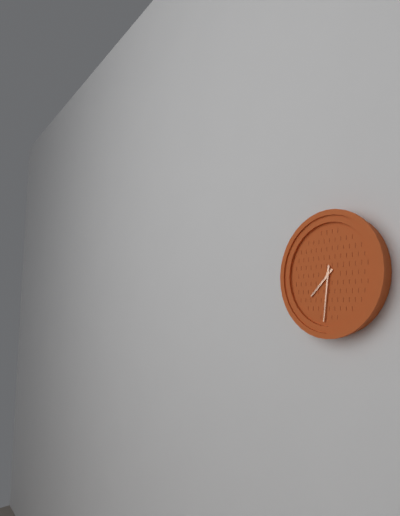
7.31
